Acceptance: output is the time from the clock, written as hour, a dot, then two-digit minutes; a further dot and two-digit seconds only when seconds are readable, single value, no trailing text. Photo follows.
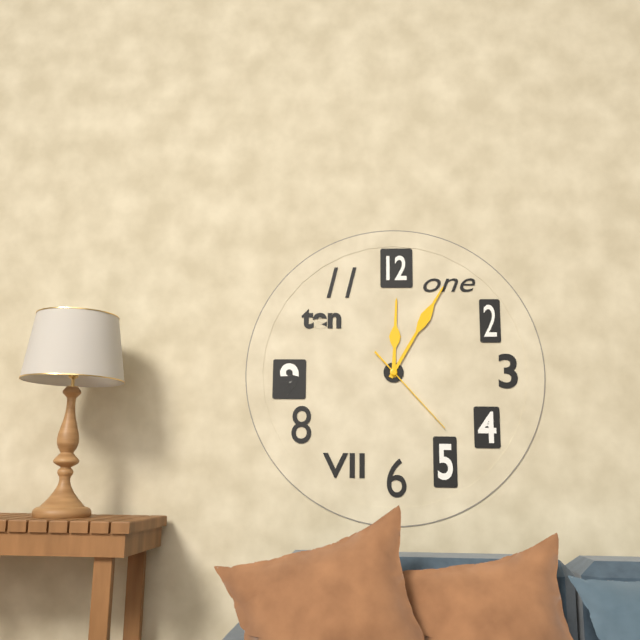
12.05.23
